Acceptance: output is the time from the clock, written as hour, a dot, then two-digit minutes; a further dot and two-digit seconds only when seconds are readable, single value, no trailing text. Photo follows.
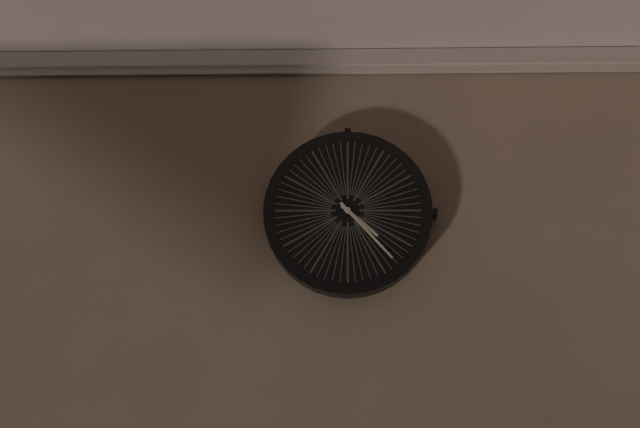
4.23
